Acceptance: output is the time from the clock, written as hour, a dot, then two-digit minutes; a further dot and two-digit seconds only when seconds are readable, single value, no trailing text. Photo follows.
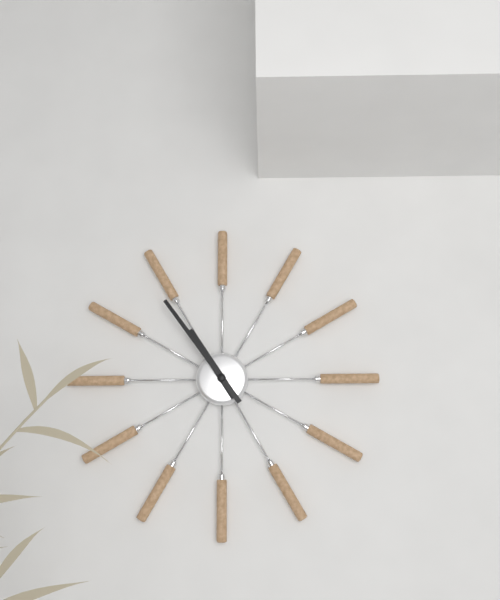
10.54
